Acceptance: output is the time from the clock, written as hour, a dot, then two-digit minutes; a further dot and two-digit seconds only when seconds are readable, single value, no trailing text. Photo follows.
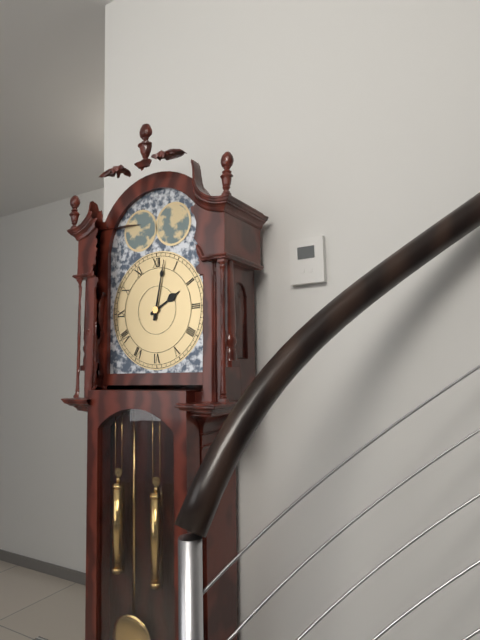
2.02
